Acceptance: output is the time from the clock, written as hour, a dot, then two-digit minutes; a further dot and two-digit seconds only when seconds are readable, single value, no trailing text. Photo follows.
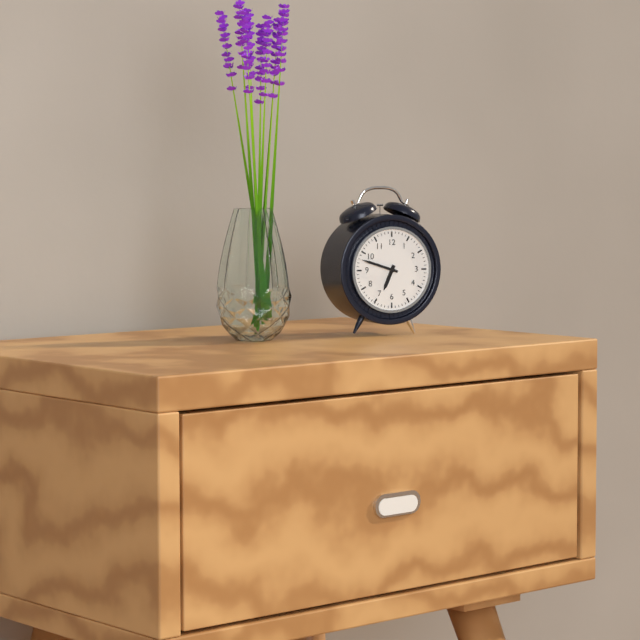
6.48
